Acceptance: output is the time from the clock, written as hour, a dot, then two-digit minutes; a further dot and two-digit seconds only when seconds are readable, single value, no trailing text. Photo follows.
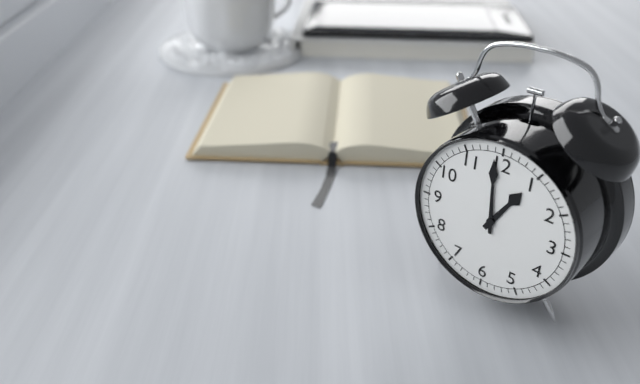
12.59
